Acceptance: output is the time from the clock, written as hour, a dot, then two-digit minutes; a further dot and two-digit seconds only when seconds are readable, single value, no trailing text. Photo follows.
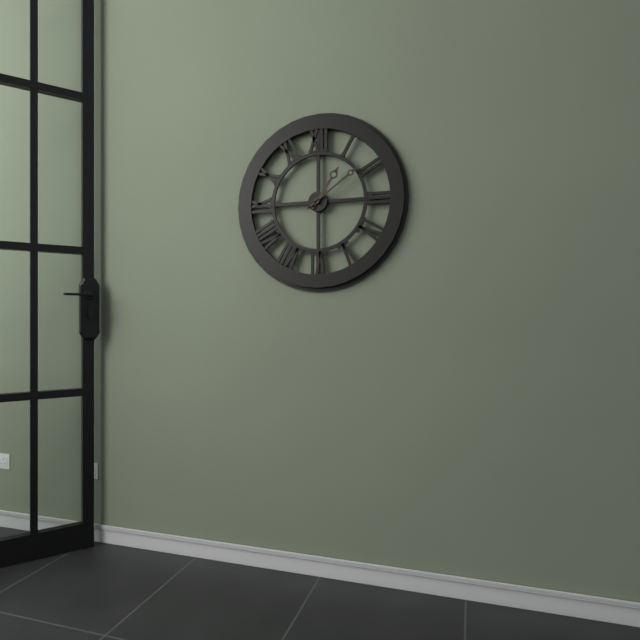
1.09
